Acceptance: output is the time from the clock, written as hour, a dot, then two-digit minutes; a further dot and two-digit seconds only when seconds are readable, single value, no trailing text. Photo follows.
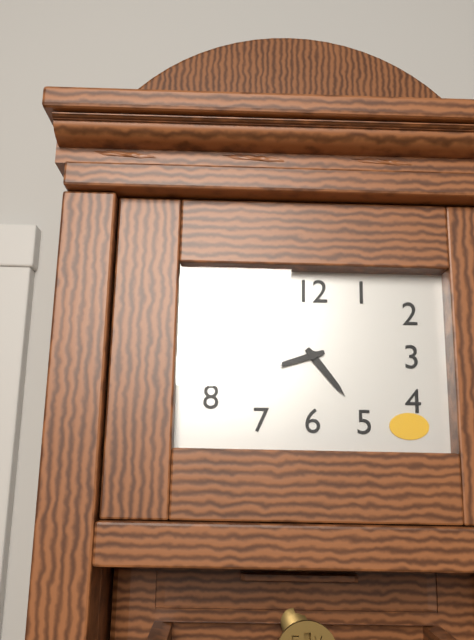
4.42
